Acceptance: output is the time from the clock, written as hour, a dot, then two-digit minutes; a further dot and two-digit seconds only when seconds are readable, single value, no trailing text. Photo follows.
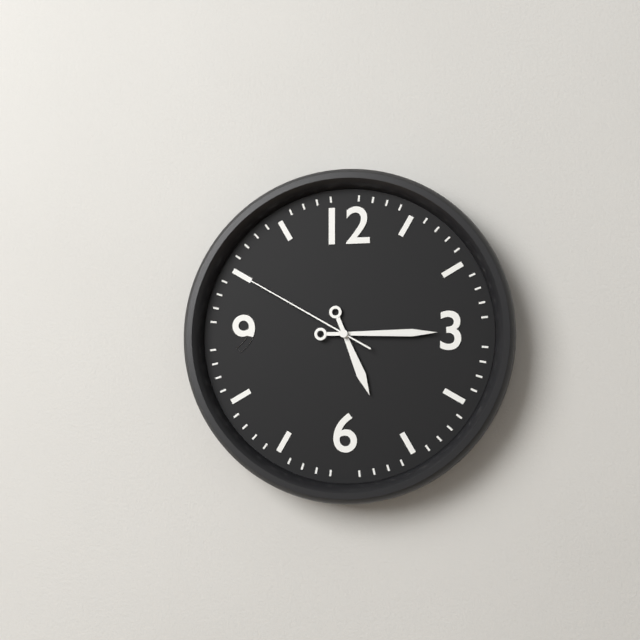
5.15.50
